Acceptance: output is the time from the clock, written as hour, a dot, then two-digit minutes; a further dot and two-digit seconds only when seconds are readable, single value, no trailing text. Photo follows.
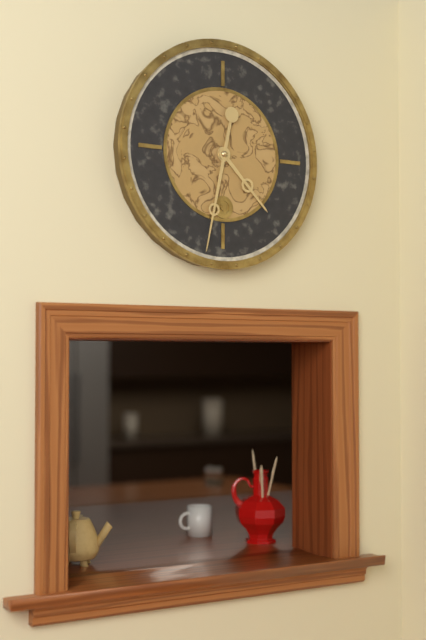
4.32
